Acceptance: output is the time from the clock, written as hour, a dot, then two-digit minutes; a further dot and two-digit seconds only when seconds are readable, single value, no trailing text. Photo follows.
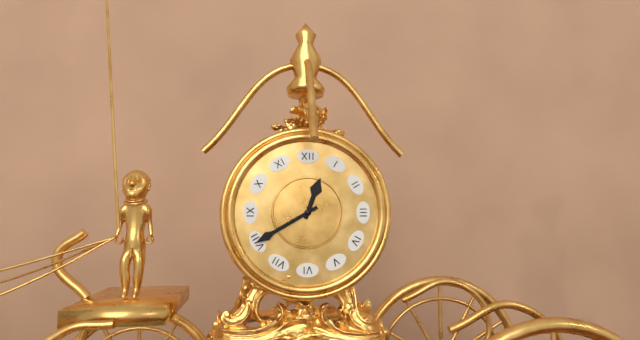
12.40
